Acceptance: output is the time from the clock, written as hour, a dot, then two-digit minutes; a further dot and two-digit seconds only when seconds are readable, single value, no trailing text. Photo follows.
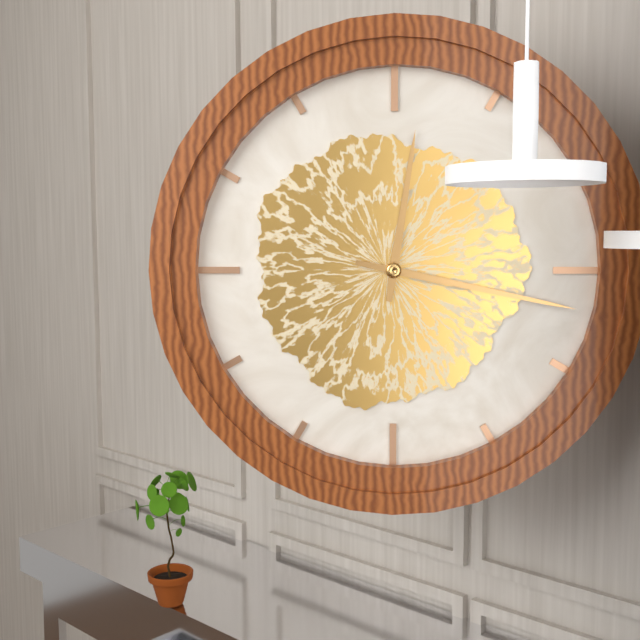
12.17
